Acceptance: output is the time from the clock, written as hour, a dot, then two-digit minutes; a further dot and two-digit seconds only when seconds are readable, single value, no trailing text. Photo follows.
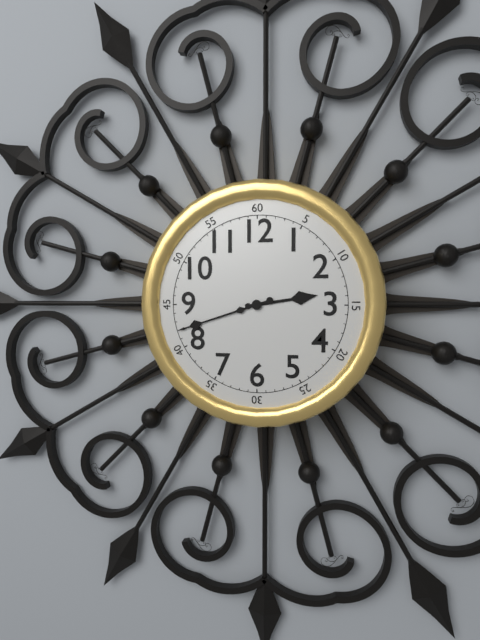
2.42
